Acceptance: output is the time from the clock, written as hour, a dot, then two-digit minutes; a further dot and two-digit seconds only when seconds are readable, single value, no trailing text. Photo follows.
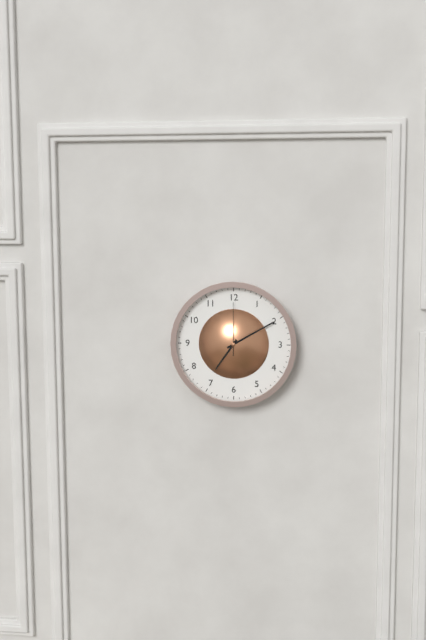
7.10.00
